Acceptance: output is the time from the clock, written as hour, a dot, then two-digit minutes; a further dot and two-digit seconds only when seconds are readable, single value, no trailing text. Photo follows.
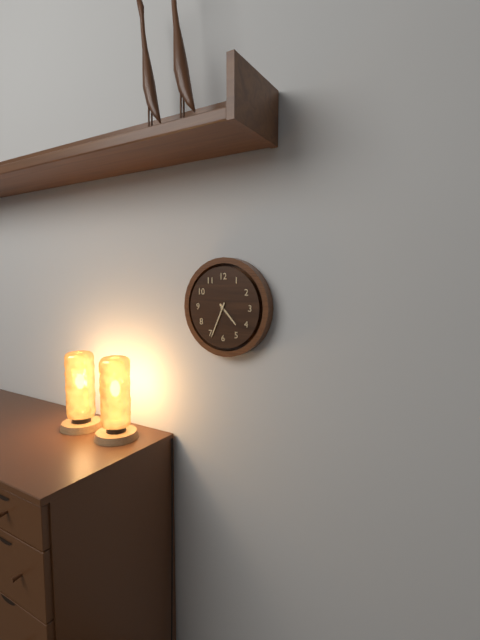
4.34
